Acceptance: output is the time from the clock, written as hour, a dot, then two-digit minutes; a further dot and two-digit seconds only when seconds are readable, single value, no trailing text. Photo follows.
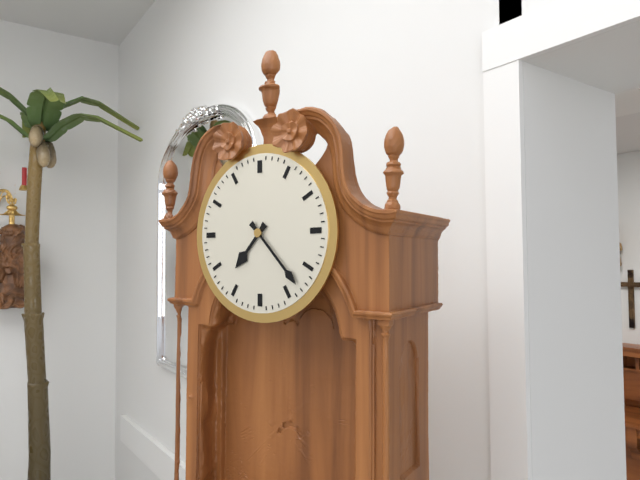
7.23
